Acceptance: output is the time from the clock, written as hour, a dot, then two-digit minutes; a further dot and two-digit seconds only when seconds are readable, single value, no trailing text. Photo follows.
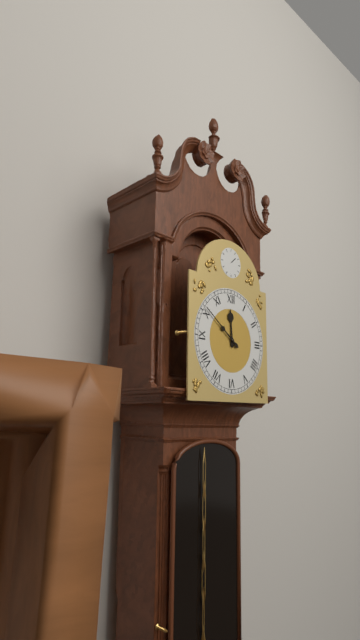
11.51
